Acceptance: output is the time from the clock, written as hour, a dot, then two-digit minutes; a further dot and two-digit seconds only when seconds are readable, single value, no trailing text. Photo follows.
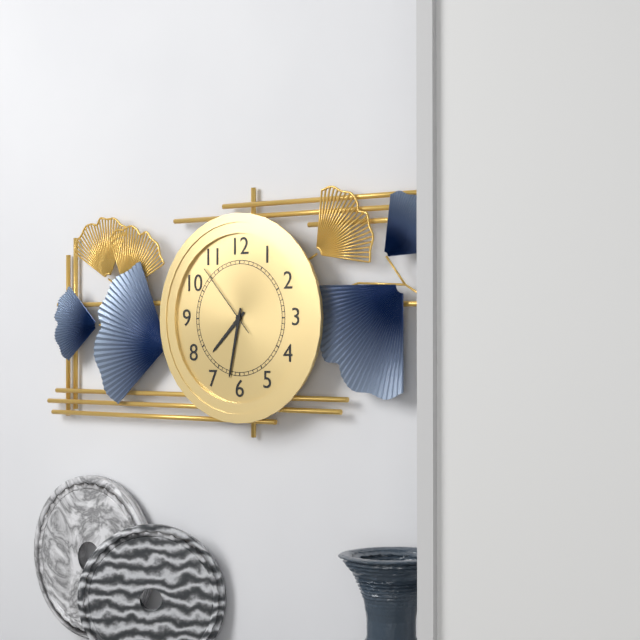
7.32.53
